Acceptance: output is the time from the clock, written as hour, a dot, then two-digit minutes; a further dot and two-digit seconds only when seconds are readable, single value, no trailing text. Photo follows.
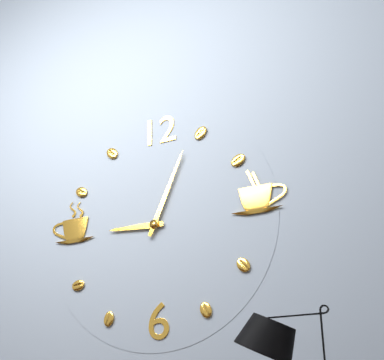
9.04
